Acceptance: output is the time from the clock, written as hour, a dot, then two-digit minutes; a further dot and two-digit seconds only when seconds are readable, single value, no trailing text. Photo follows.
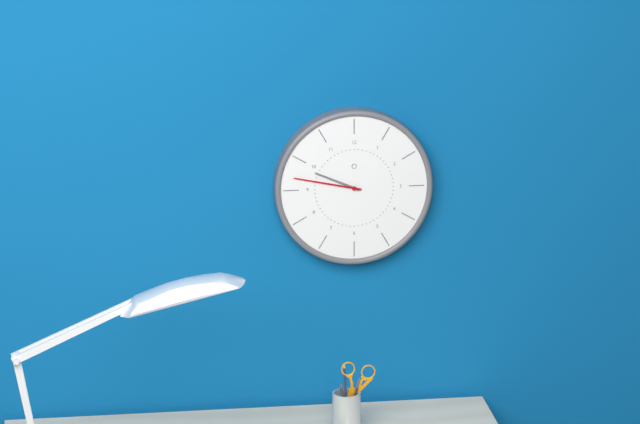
9.47
